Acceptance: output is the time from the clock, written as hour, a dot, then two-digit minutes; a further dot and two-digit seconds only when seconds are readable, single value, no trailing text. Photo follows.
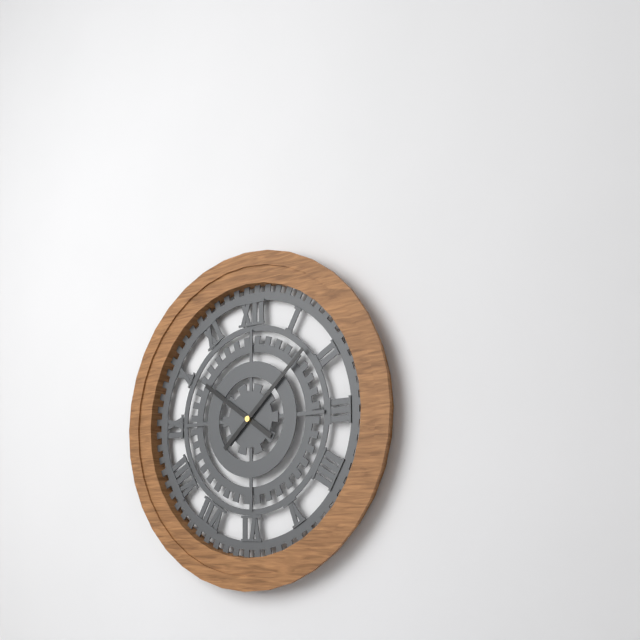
10.08
